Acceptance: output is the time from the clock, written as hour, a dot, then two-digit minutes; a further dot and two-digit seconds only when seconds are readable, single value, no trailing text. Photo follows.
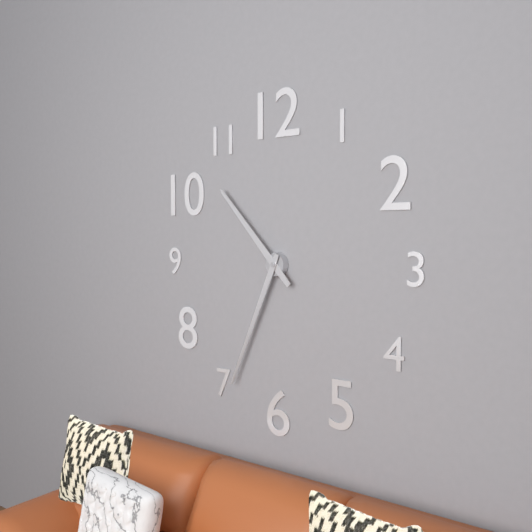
10.34
